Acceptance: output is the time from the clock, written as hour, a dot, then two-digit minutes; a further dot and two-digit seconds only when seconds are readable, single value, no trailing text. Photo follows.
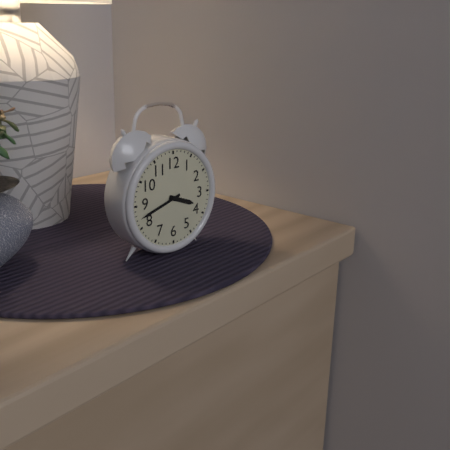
3.42
